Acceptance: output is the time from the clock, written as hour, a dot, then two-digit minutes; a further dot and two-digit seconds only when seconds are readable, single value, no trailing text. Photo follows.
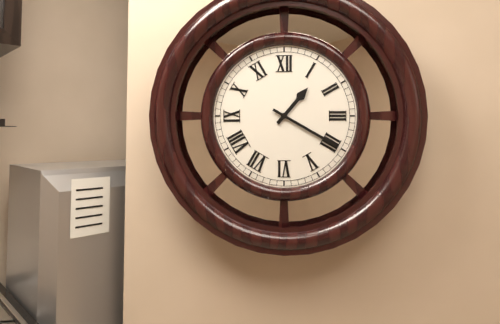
1.20
